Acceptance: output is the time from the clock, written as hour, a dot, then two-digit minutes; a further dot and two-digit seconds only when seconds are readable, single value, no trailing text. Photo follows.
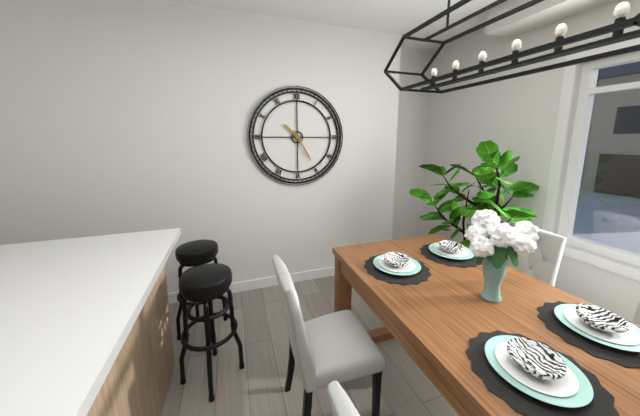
10.25
